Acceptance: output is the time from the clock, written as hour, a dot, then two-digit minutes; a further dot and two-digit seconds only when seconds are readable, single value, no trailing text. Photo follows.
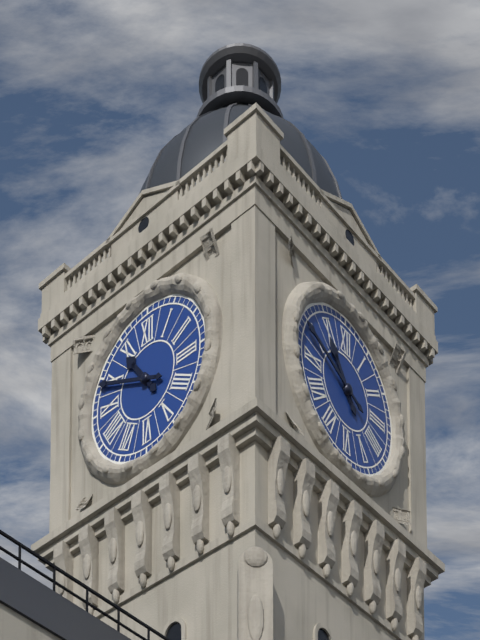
10.49
